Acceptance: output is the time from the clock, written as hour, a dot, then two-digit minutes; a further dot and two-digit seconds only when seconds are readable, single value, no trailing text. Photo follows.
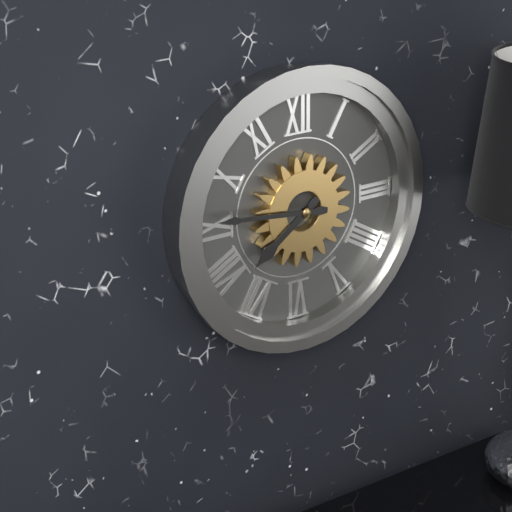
7.46
